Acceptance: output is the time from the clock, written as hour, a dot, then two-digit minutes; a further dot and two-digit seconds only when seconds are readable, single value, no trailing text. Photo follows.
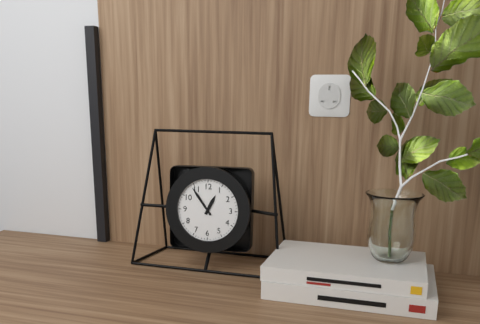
12.54
